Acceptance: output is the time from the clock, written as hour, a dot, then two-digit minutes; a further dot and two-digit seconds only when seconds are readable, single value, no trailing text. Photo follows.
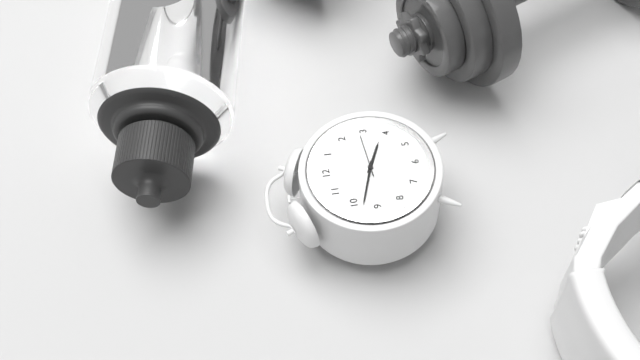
3.48.14
